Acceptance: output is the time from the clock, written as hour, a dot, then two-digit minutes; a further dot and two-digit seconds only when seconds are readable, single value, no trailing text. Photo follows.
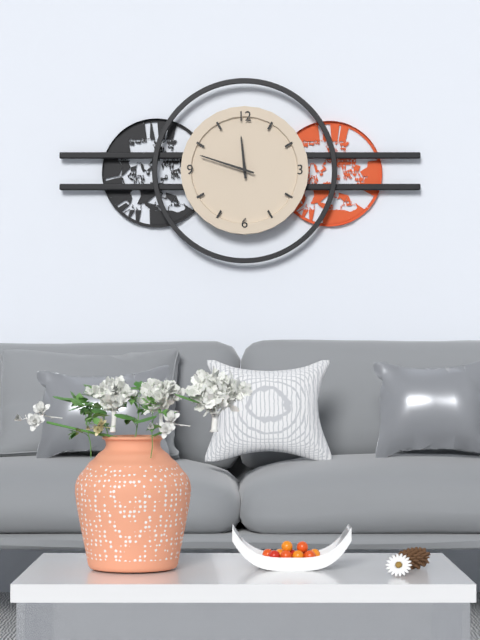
11.48
